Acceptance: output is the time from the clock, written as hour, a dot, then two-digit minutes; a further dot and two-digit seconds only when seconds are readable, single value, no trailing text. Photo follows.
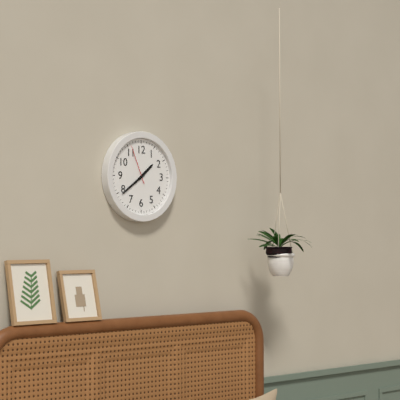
1.39
